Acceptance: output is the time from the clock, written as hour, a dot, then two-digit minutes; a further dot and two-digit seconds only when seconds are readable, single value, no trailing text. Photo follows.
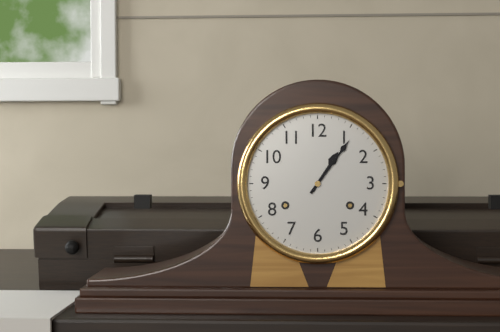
1.06
